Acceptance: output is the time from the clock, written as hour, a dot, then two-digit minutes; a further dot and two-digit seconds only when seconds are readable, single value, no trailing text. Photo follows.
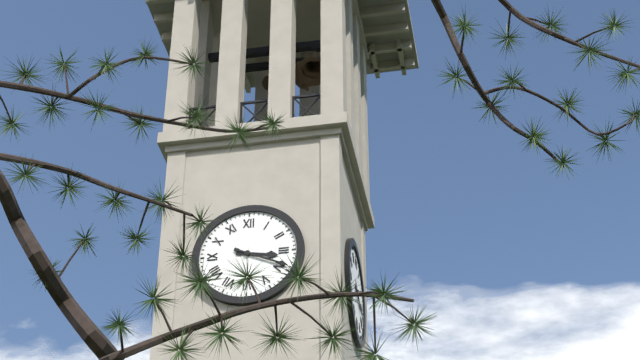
3.19
